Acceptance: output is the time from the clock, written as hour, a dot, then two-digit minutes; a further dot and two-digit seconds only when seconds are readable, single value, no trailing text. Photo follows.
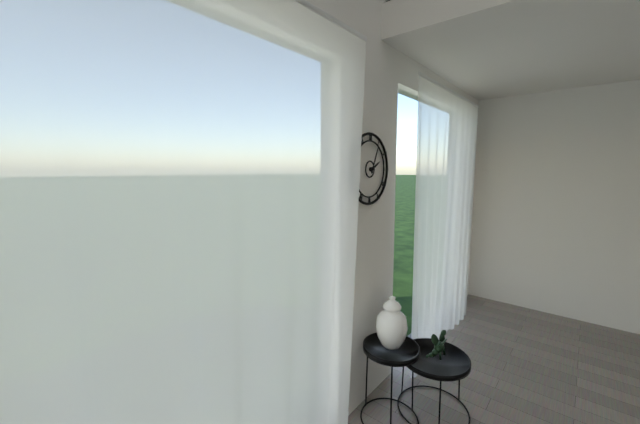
2.04
